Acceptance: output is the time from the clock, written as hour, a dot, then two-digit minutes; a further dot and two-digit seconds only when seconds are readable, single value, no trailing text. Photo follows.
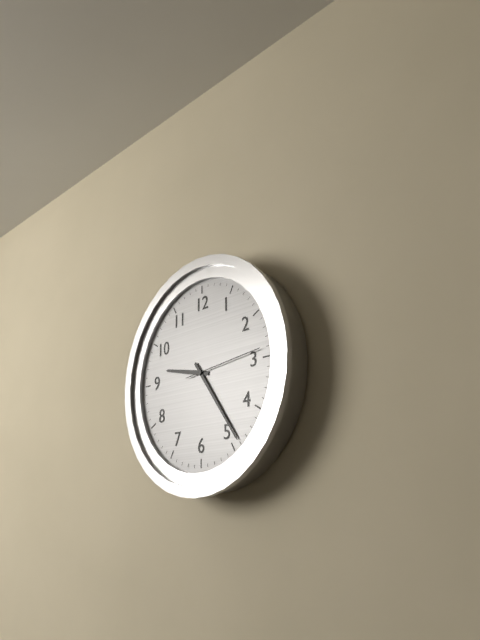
9.24.14
